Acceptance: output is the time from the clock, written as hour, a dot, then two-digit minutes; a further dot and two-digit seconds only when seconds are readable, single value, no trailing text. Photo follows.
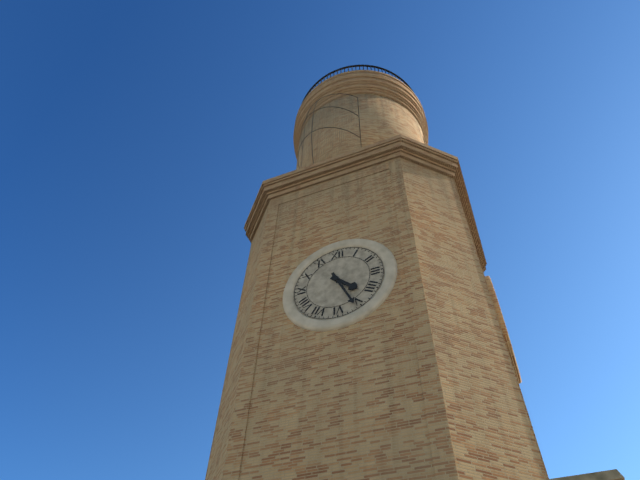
4.26
